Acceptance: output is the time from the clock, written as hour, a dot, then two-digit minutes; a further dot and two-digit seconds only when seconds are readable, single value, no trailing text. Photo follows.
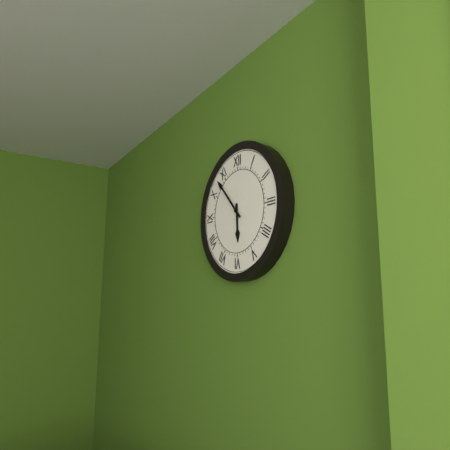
5.53
